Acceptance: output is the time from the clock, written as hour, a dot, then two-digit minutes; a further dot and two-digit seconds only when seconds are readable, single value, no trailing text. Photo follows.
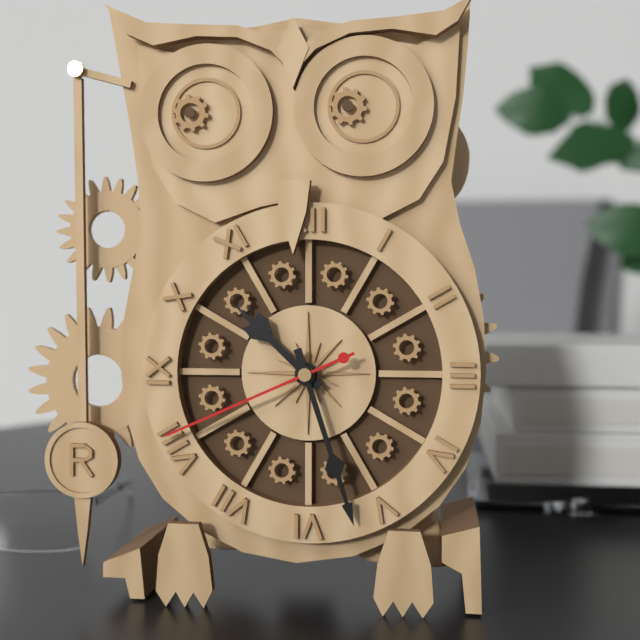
10.27.41
